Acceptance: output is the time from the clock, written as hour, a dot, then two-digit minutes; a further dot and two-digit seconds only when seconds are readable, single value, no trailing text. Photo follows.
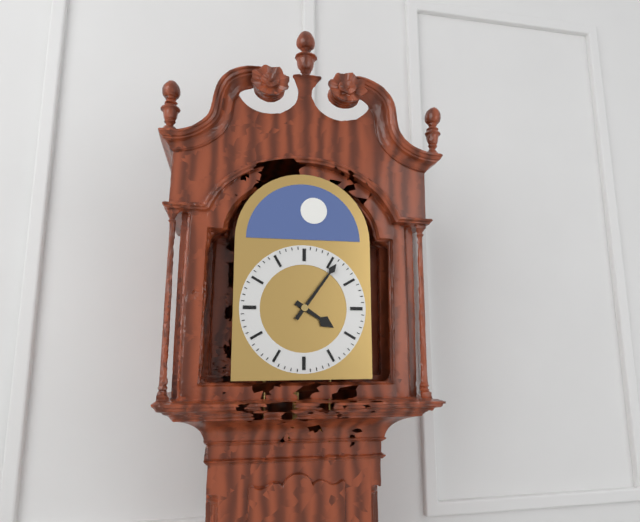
4.06
